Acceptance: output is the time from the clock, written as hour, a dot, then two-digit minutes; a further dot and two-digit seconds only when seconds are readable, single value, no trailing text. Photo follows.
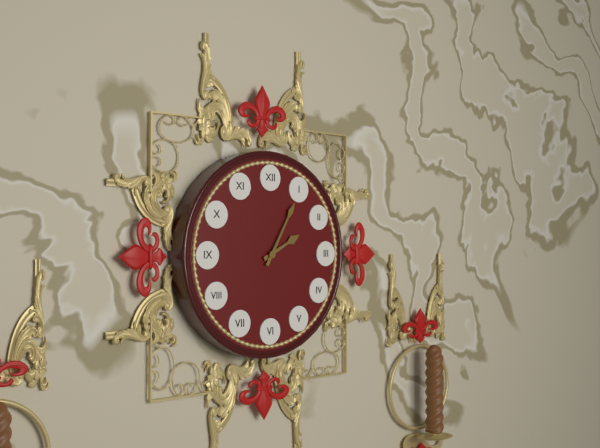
2.05
